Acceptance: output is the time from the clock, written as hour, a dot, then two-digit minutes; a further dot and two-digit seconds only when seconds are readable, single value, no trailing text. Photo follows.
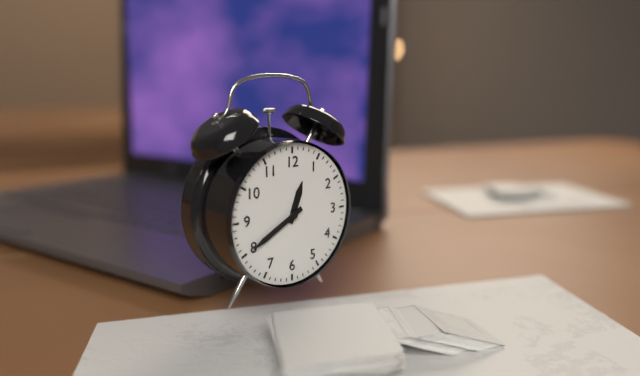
12.40
